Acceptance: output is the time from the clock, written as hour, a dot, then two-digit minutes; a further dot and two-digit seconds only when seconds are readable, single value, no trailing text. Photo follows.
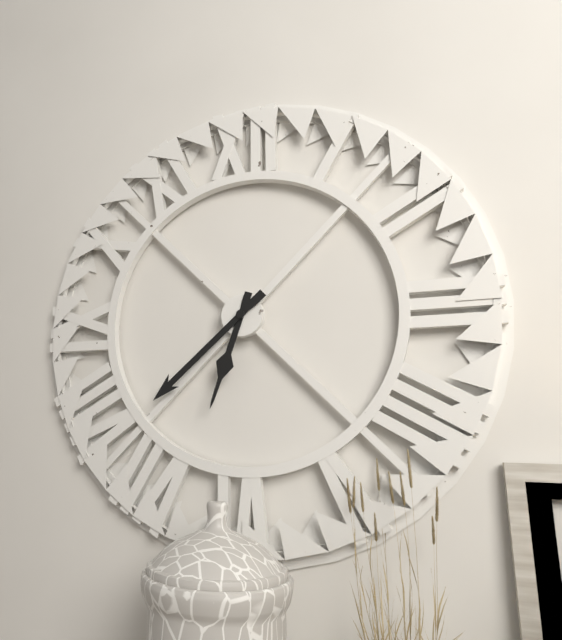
6.38
